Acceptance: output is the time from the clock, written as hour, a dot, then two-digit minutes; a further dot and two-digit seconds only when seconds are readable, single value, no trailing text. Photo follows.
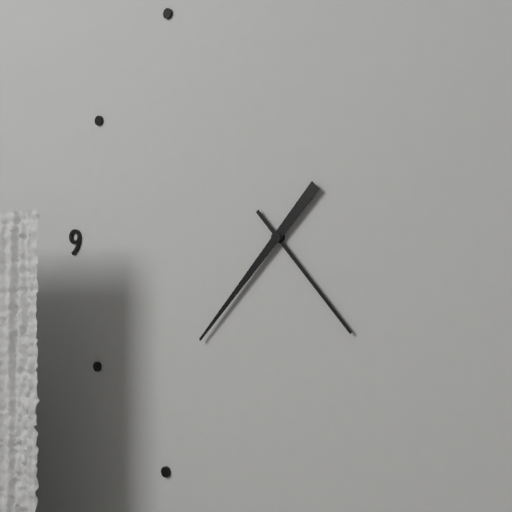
4.37
